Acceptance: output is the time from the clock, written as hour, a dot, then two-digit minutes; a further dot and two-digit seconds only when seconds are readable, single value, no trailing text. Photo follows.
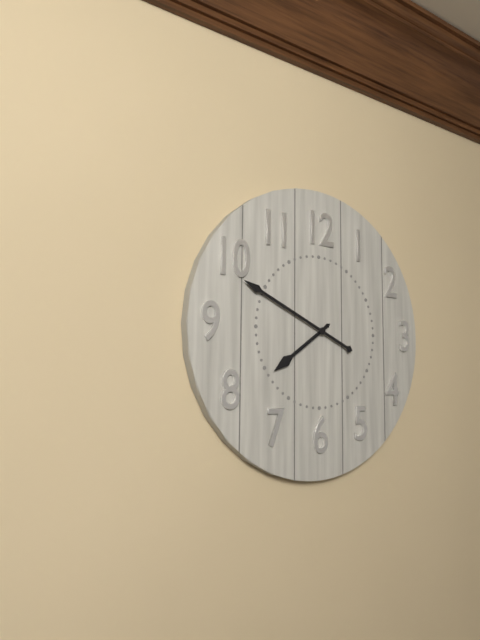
7.49
